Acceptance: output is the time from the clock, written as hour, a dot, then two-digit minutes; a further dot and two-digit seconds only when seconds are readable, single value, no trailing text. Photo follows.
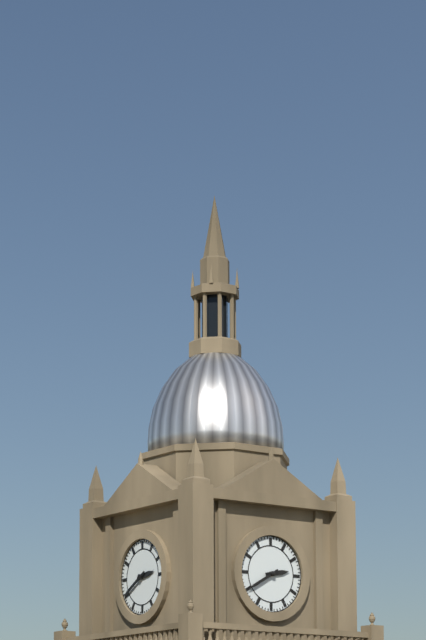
2.40
